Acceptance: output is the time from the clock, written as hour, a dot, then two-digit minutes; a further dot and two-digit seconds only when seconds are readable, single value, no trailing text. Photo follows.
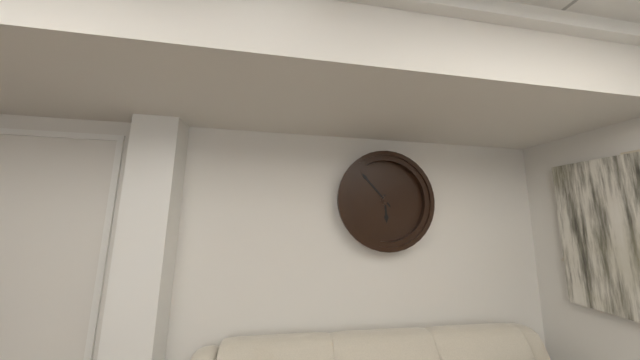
5.53
